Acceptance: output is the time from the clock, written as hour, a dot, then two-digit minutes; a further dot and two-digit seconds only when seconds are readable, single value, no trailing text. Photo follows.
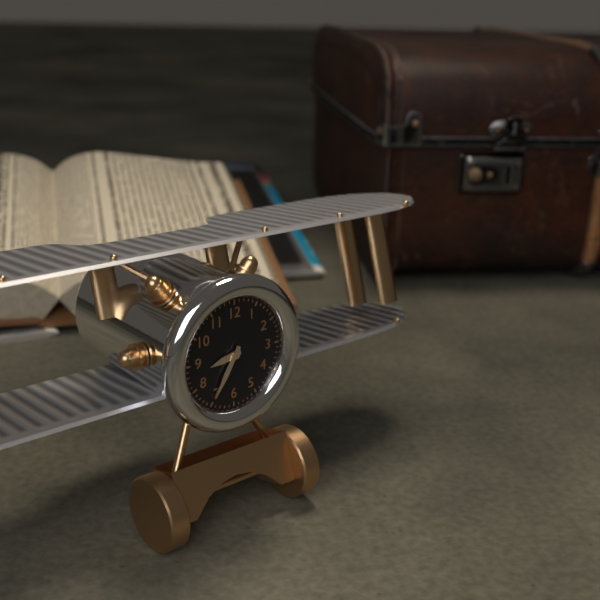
8.35
